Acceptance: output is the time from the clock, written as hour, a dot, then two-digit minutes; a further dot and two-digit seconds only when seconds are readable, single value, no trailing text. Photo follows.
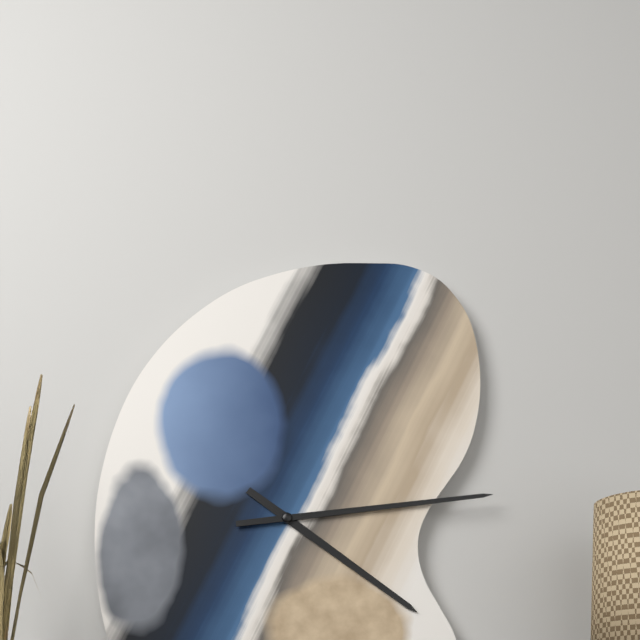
4.14
